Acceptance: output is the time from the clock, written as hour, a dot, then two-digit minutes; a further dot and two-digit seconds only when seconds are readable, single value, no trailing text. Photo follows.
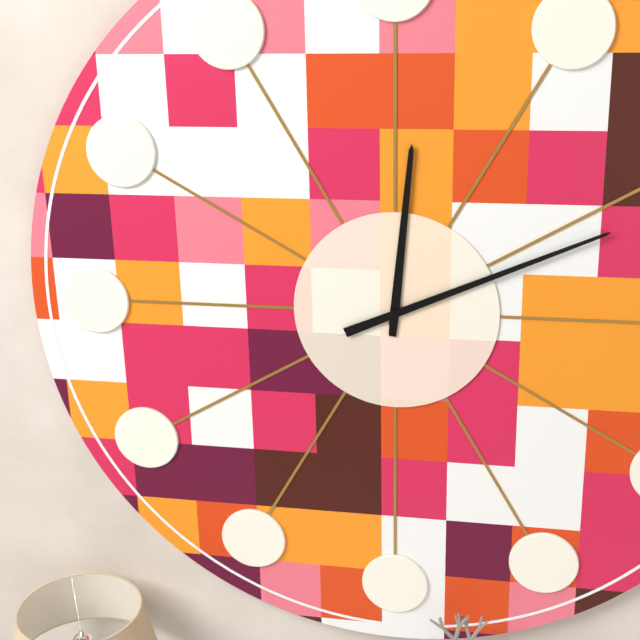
12.11
